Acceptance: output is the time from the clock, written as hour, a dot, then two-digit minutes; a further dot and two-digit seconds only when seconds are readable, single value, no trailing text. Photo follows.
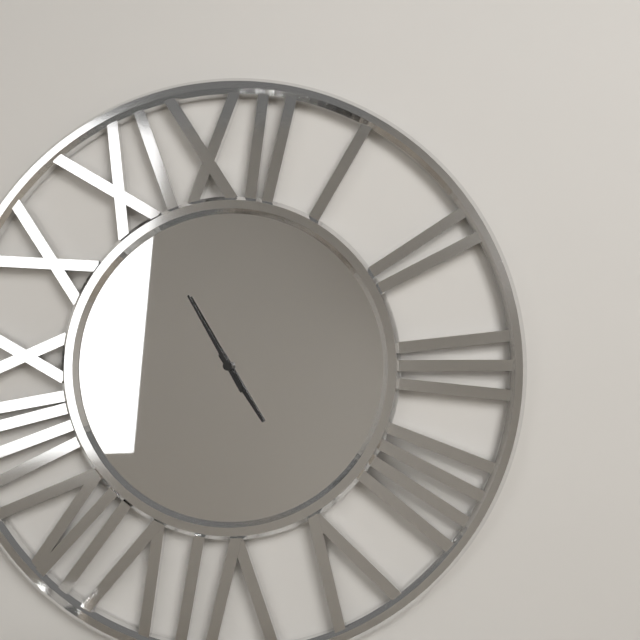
4.55
